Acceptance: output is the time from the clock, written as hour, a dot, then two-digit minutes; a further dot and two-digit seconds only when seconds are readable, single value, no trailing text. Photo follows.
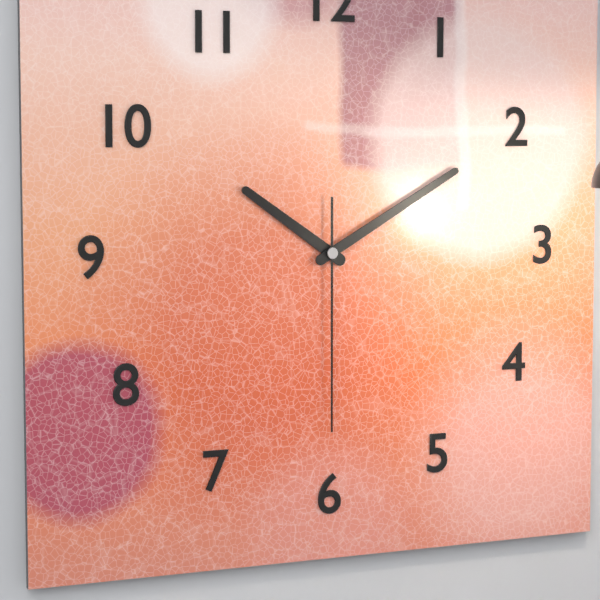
10.10.30
